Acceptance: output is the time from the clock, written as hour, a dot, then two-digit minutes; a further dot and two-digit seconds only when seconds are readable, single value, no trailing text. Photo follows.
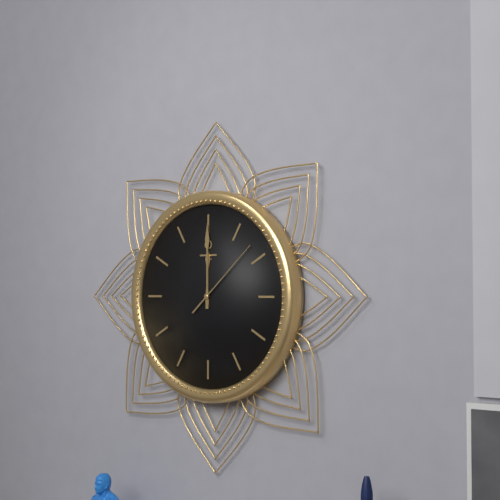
12.00.08
